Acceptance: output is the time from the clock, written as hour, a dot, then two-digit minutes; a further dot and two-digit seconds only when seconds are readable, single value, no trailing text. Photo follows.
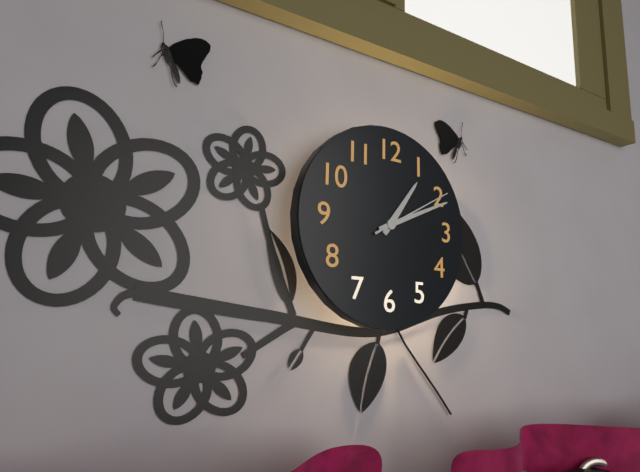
1.11.10
